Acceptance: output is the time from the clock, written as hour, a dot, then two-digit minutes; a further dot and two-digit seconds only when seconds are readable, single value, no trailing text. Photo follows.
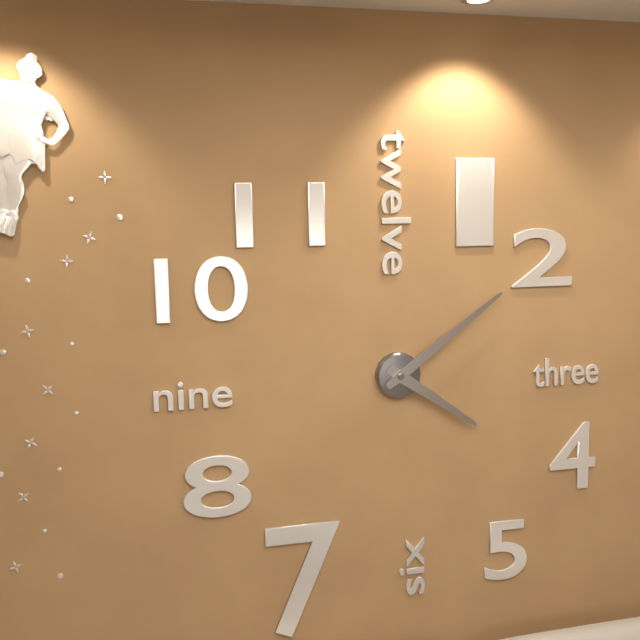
4.09
